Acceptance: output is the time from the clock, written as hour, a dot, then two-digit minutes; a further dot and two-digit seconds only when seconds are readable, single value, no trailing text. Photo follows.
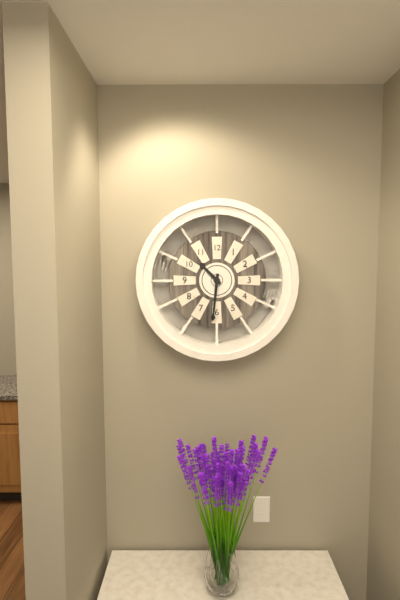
10.31
